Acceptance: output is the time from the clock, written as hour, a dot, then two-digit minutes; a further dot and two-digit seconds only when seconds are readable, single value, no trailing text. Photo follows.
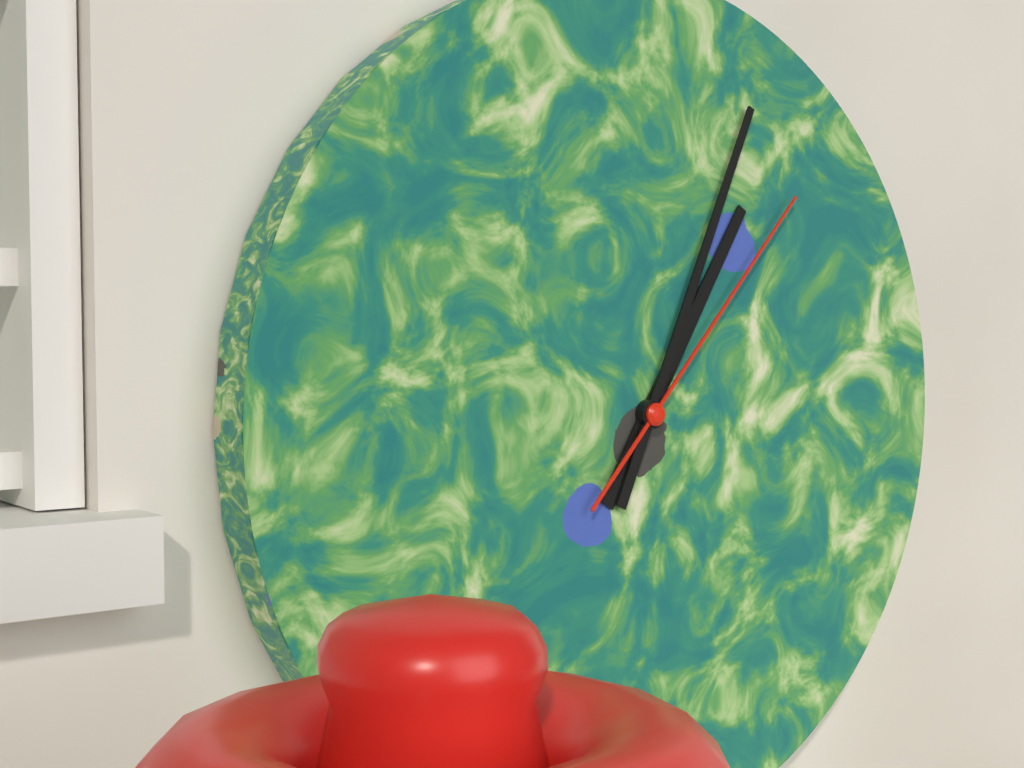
1.04.07
